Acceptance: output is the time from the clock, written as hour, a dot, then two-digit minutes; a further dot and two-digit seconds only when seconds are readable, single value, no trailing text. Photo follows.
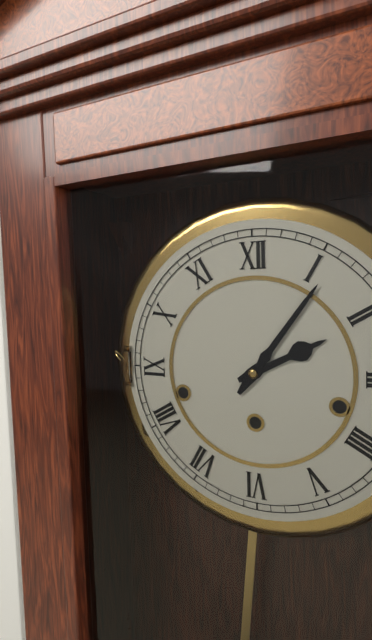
2.06
